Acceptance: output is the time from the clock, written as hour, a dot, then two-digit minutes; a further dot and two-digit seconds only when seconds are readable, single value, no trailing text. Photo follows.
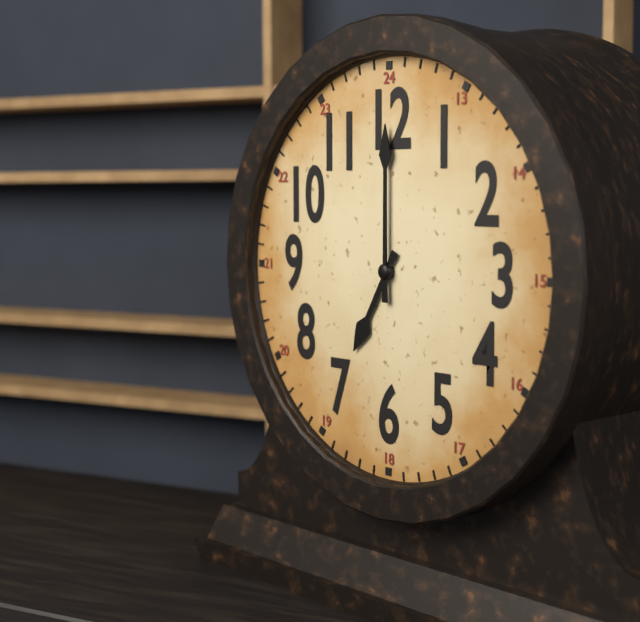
7.00
